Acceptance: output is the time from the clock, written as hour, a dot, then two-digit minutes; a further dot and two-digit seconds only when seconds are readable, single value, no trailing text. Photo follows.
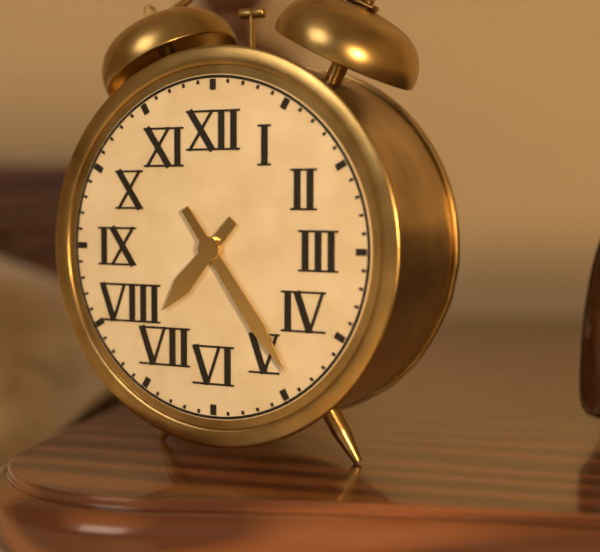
7.24
